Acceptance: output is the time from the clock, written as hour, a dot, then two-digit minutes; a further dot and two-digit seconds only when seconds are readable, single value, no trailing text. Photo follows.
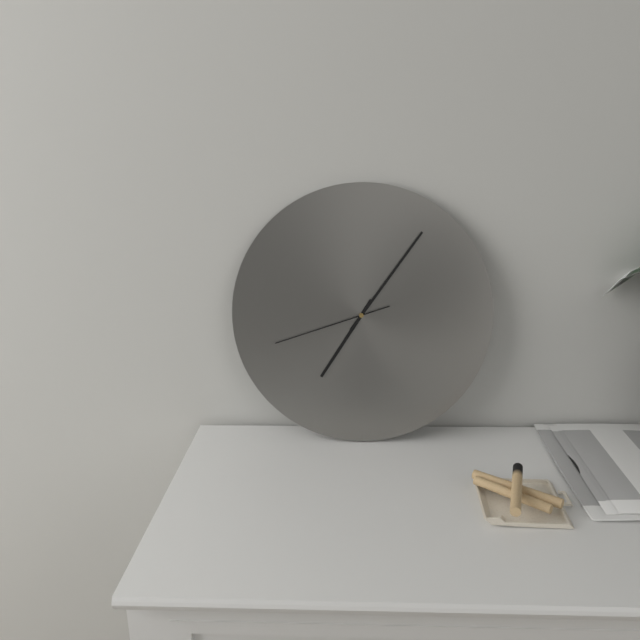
7.06.42
